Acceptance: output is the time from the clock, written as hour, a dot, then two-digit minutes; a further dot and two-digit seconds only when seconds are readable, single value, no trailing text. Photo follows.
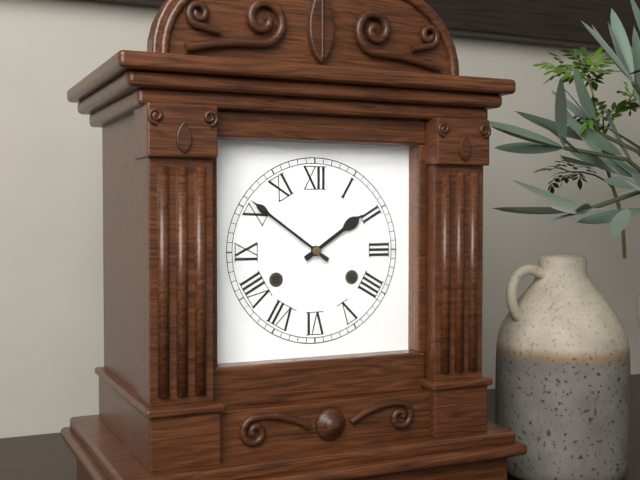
1.51
